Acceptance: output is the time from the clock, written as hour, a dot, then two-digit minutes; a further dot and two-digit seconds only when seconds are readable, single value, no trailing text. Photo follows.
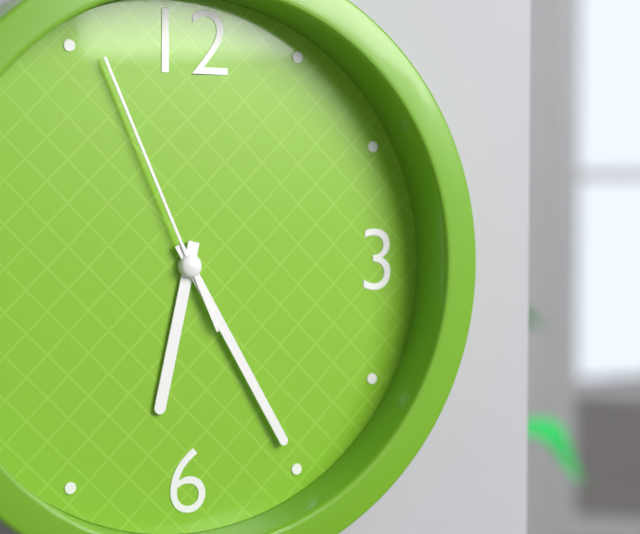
6.25.56
